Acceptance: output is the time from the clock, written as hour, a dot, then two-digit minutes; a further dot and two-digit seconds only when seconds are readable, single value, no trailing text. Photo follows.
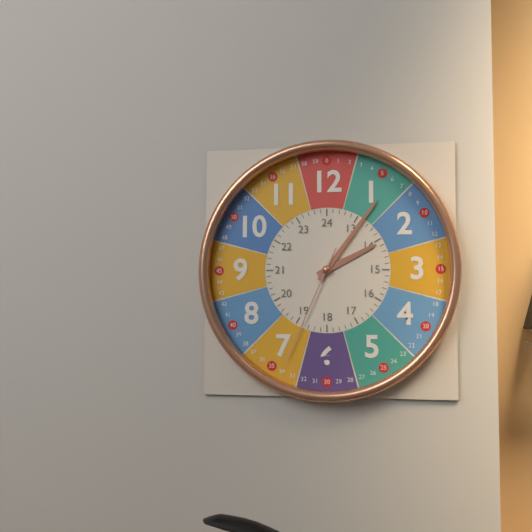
2.06.34
